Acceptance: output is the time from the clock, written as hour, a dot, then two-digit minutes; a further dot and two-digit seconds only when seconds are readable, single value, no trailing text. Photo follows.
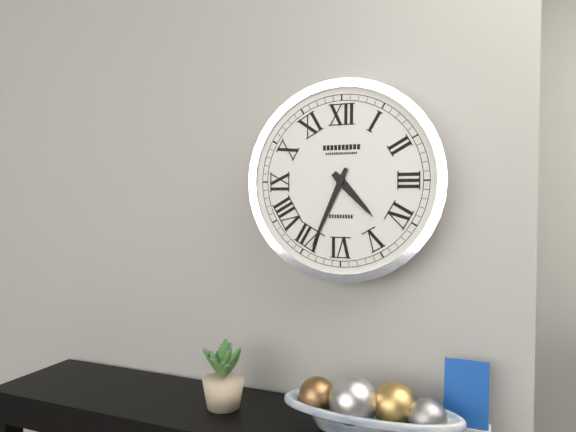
4.34
